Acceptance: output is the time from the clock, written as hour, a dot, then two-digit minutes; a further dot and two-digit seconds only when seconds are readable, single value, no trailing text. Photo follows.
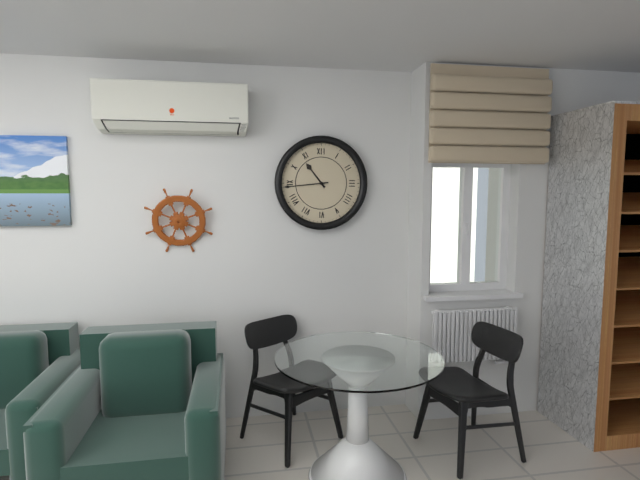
10.44
